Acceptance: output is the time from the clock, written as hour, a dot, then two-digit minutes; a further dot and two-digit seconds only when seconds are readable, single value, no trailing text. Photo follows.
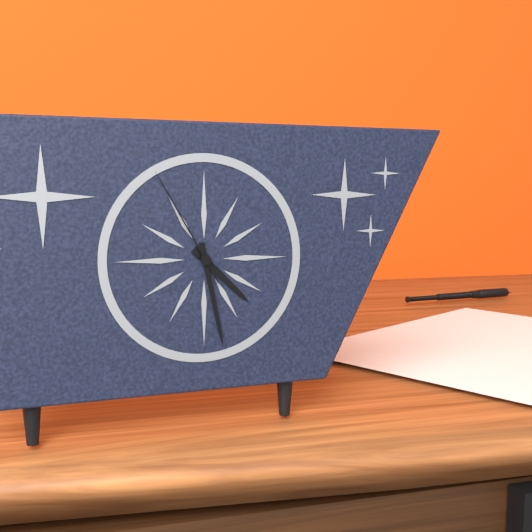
4.28.55
